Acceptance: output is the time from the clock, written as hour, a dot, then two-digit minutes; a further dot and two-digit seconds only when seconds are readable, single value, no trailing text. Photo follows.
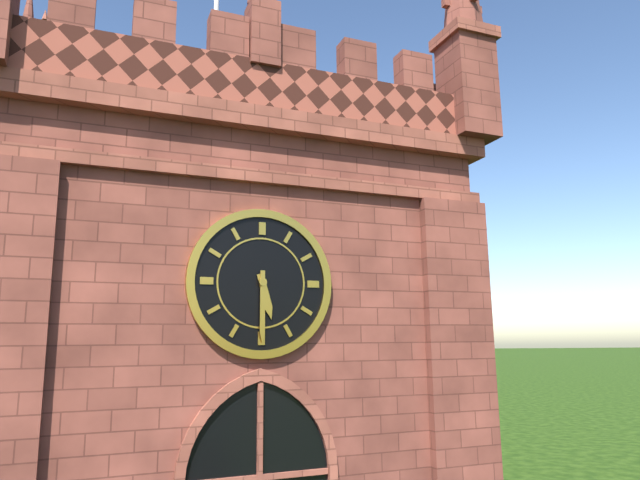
5.30
